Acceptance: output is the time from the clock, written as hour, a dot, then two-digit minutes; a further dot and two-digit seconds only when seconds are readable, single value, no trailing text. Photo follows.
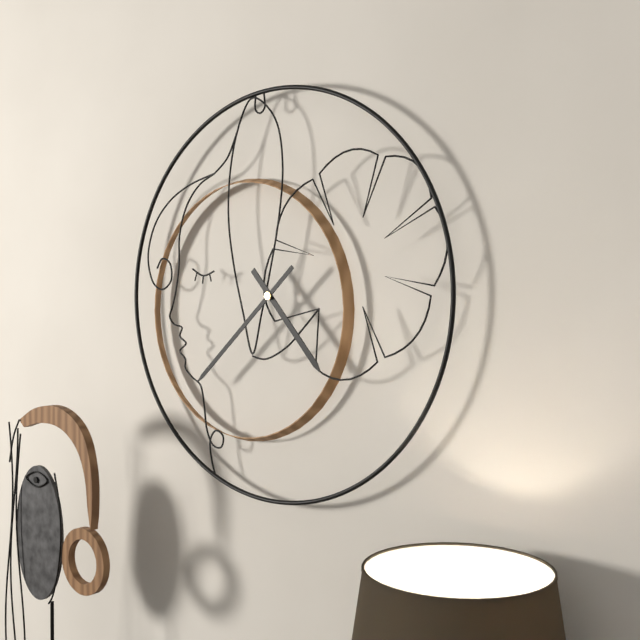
4.38
